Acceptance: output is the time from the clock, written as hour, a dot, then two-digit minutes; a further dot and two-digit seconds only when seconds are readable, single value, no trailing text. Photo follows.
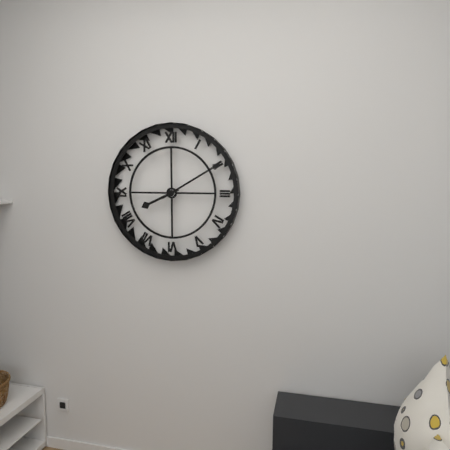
8.10
